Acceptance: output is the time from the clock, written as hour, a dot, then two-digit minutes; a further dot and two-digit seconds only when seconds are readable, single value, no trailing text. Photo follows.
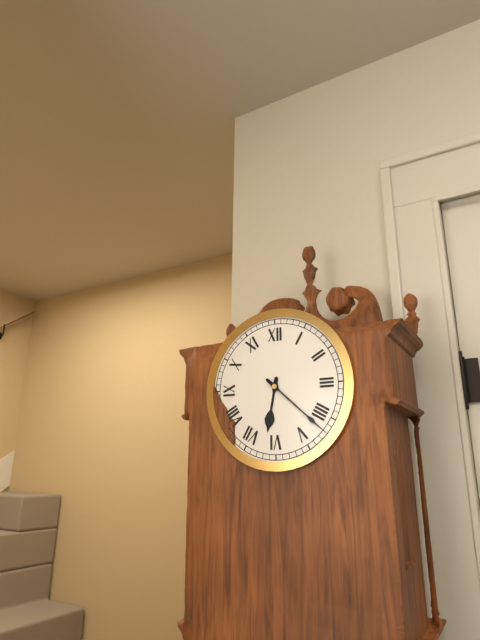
6.22
